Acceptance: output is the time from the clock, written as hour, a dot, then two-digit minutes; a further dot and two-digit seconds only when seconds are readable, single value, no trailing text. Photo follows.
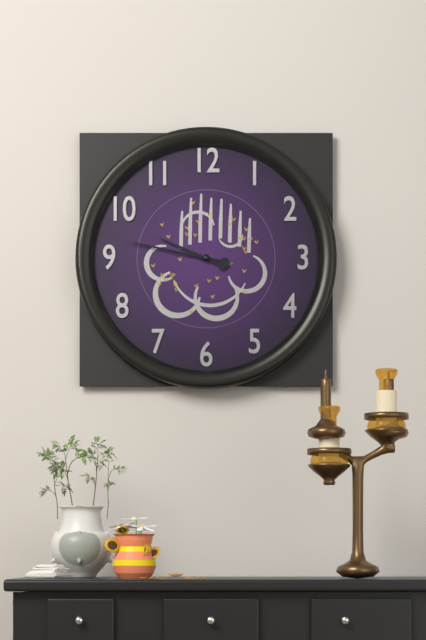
9.47.47
